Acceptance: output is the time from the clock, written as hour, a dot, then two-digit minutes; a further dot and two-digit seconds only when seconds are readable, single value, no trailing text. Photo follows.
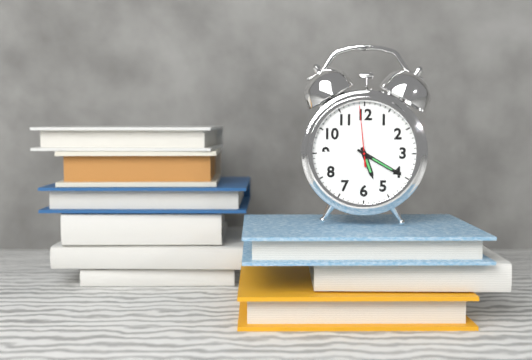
5.20.59
